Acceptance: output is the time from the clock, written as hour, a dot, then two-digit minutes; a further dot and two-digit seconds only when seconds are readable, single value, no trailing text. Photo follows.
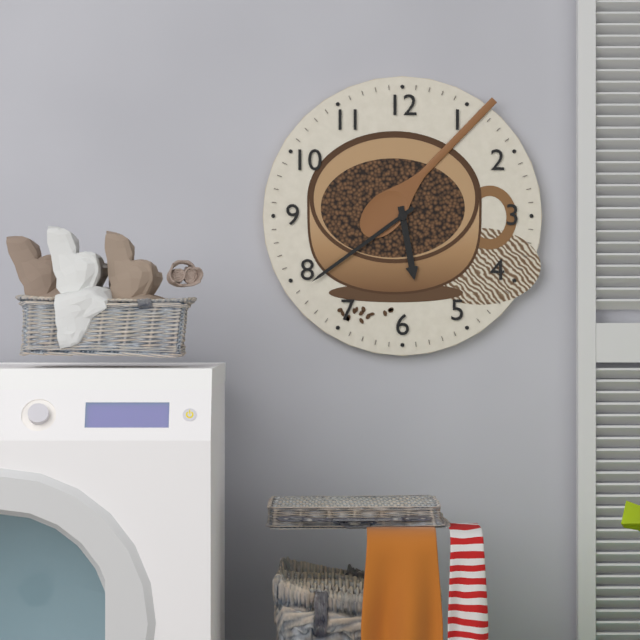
5.39
